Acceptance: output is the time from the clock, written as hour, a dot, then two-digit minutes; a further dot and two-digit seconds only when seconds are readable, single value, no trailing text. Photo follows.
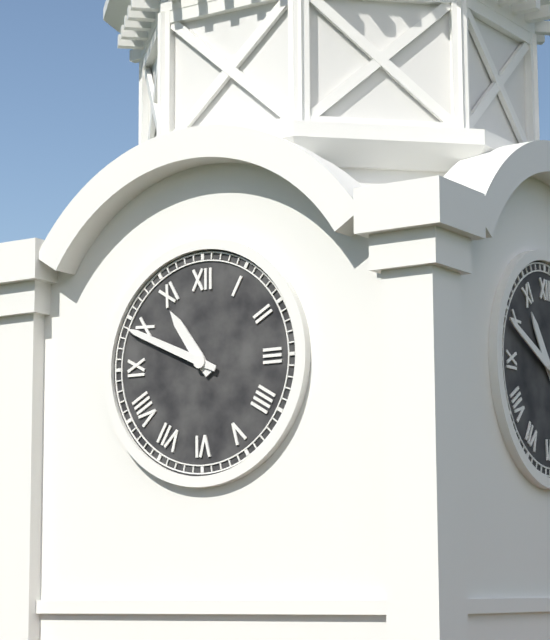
10.49
